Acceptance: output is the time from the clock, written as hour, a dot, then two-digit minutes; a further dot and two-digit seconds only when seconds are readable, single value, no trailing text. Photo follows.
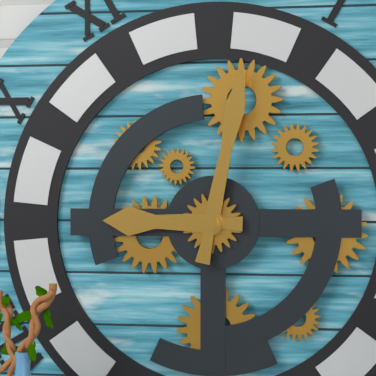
9.02
